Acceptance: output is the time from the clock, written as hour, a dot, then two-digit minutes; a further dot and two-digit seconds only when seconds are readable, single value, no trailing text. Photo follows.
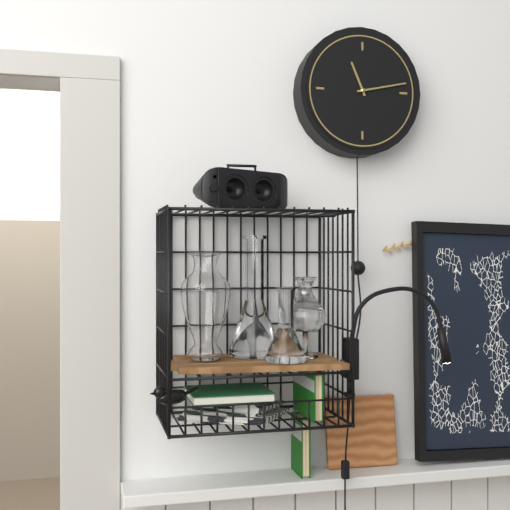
11.13
